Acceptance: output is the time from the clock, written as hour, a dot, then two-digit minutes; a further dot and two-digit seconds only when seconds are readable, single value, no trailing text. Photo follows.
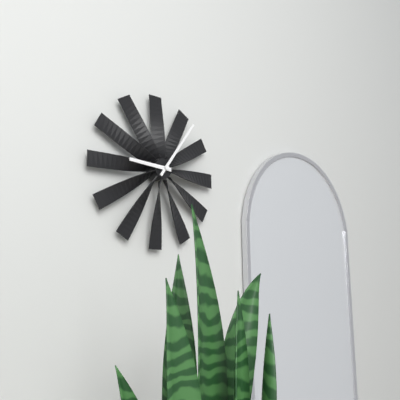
9.06
